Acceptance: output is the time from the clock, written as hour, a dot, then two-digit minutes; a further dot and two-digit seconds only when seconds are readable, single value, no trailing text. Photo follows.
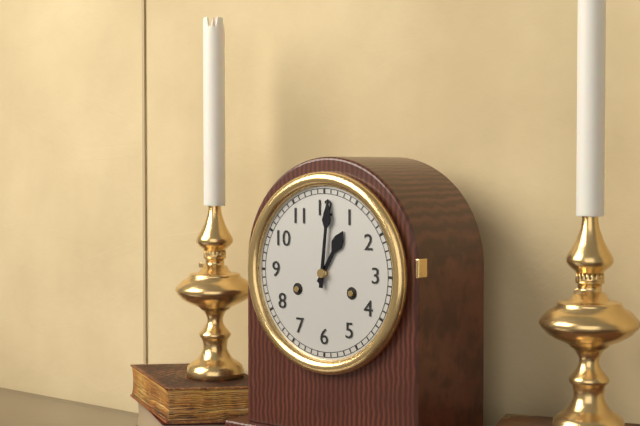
1.01
